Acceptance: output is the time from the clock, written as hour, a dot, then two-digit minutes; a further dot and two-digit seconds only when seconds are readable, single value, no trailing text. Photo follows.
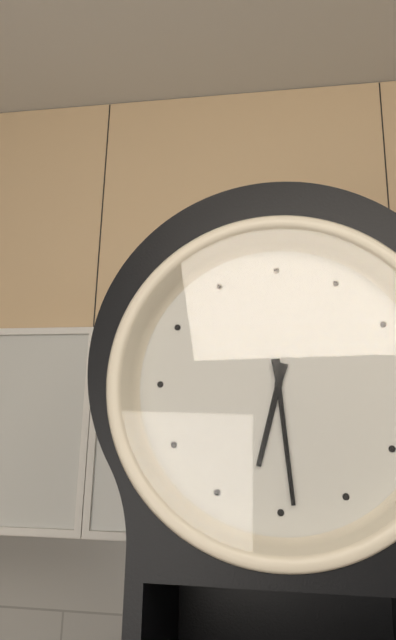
6.29
